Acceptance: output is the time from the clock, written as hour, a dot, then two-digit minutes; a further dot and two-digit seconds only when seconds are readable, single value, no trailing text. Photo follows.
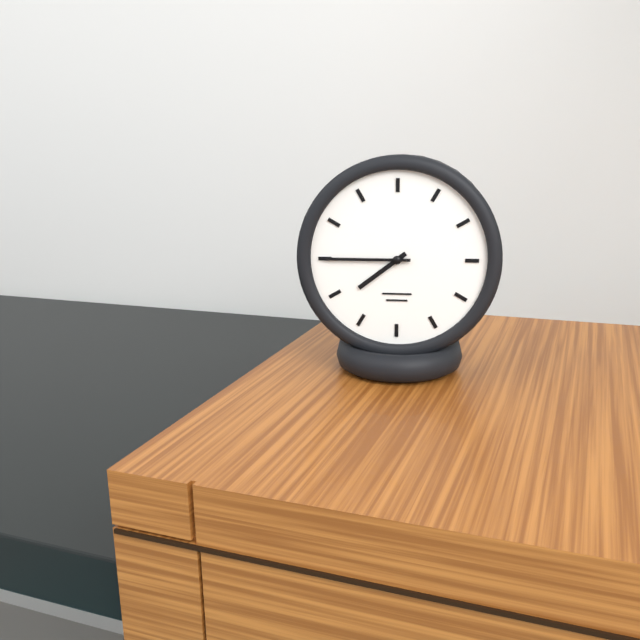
7.45
